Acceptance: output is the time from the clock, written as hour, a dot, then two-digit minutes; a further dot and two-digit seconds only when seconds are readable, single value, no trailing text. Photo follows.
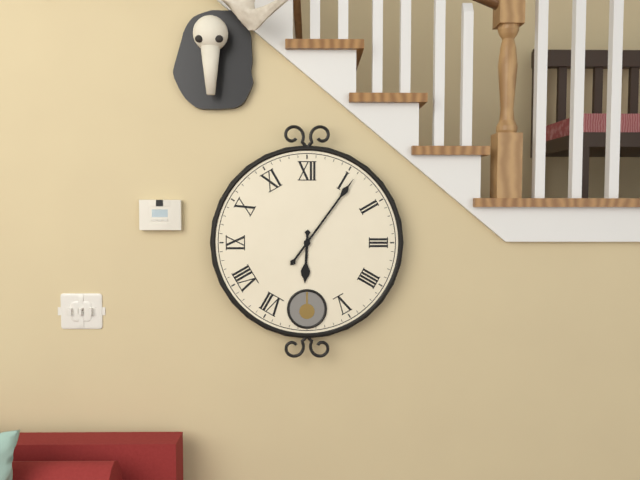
6.06
